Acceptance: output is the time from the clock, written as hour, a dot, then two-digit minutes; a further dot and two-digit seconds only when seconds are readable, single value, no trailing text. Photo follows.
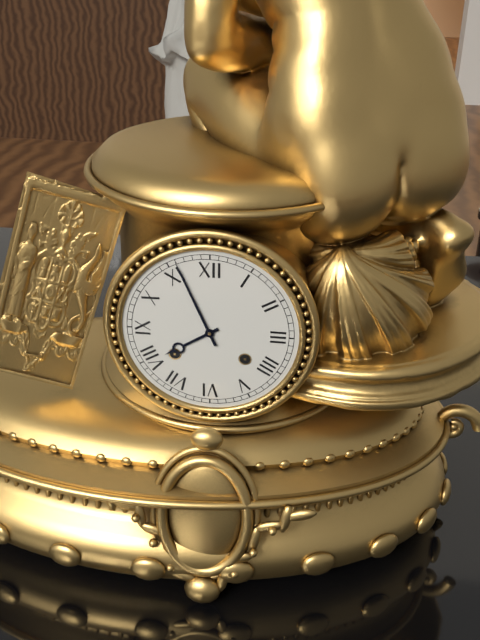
7.56
